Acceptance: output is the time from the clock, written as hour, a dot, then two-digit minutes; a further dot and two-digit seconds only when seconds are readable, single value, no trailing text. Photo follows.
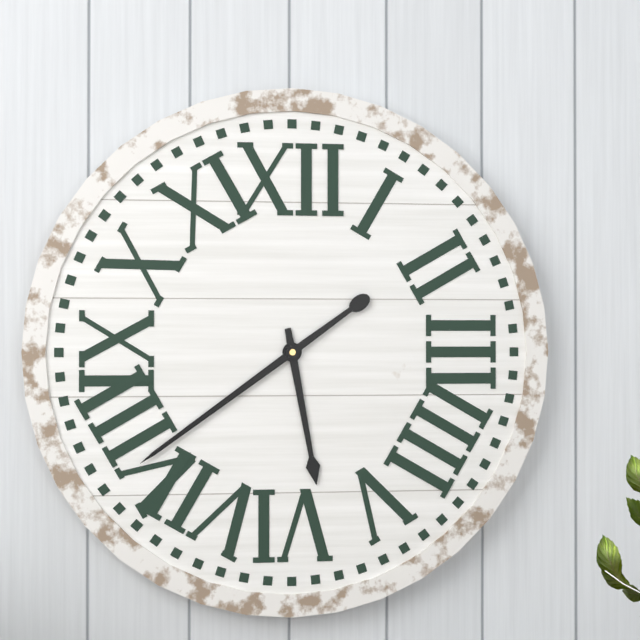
5.39
